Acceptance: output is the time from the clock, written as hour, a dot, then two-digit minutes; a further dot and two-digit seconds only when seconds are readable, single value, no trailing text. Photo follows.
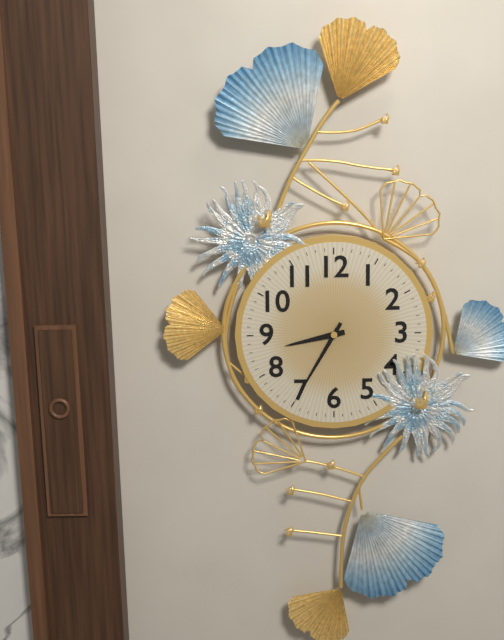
8.35
